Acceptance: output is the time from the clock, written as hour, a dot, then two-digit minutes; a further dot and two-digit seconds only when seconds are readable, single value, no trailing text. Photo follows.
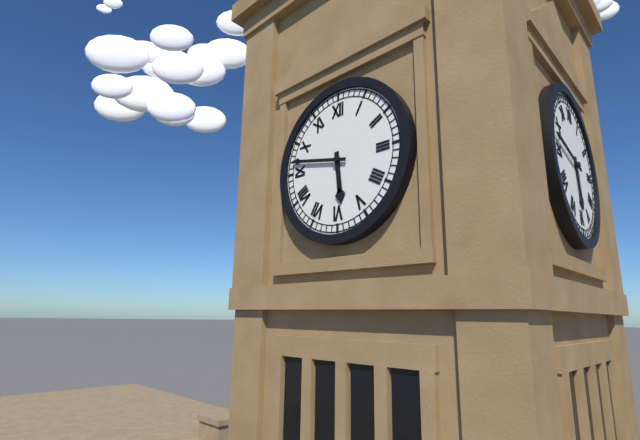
5.47
